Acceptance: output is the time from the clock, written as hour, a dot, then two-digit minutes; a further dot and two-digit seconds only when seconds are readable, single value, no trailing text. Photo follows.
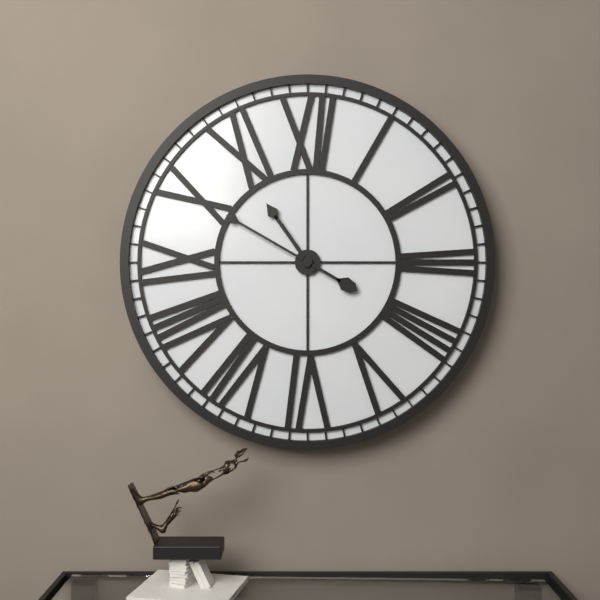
10.50
